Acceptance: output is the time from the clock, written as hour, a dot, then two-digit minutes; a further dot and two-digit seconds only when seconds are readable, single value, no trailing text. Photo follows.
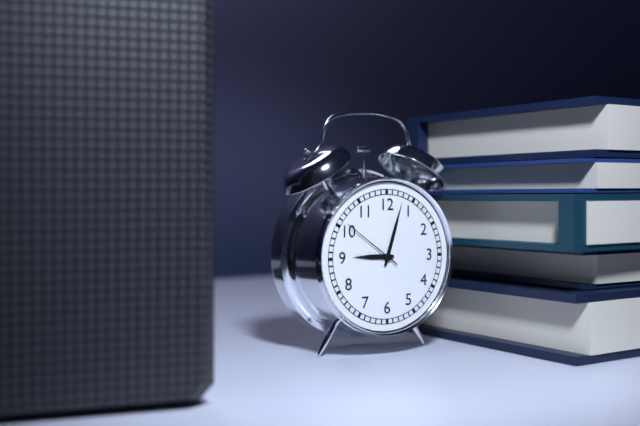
9.03.51
